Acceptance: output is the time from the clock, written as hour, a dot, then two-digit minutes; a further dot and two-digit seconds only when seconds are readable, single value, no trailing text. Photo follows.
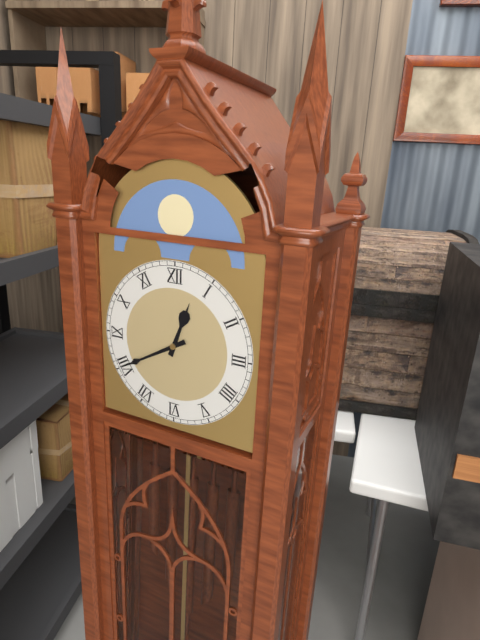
12.40
